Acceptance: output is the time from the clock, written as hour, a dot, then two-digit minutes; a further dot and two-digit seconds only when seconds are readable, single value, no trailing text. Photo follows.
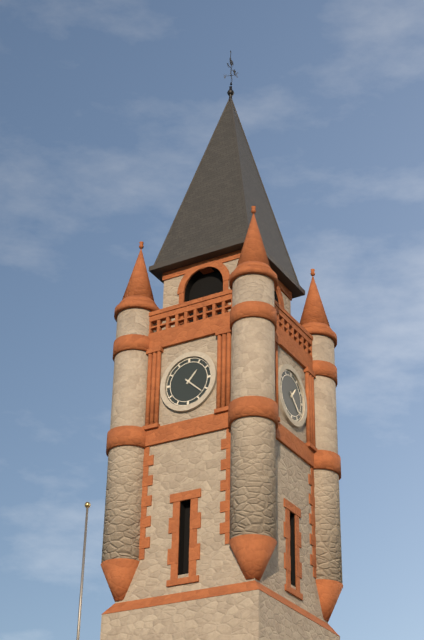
1.22
